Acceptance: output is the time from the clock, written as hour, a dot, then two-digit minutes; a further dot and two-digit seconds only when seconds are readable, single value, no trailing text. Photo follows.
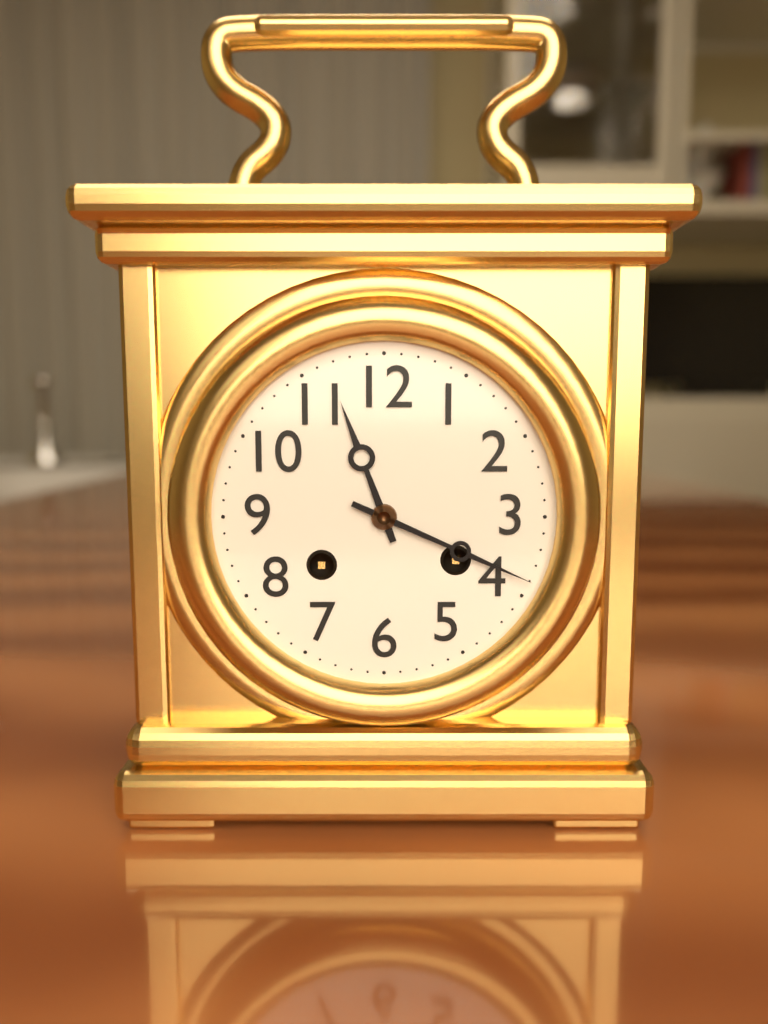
11.19
